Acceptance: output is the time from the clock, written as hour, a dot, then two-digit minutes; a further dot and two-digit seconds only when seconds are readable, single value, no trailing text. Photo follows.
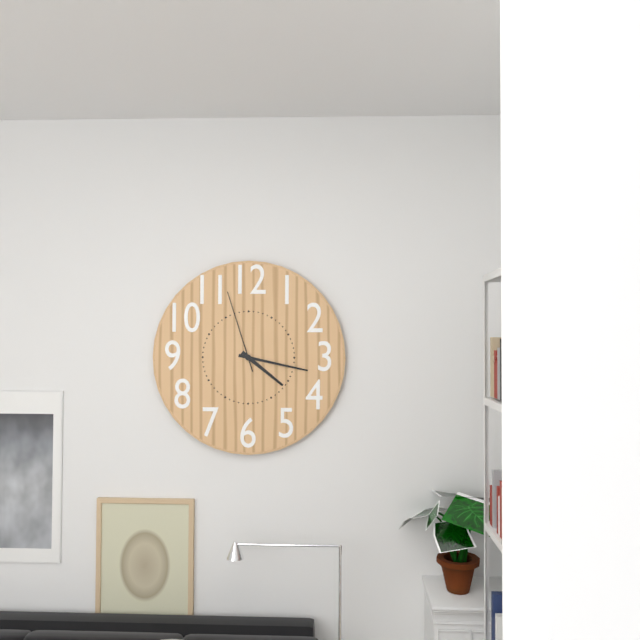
4.17.57
